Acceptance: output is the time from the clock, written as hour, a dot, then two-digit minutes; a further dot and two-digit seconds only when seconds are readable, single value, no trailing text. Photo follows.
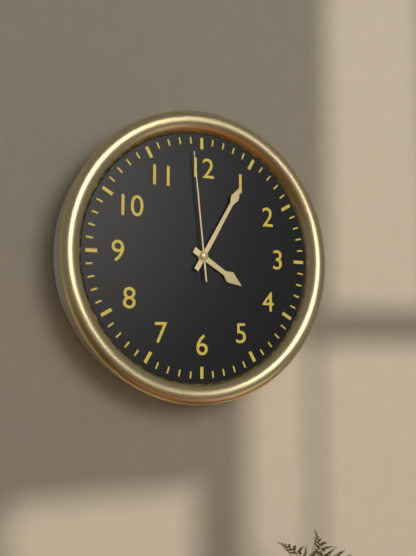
4.05.59
